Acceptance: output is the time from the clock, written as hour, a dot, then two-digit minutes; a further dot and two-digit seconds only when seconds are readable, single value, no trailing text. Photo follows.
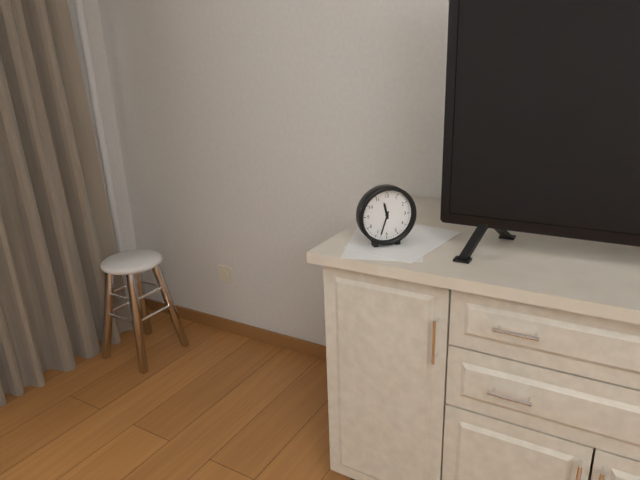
11.33
